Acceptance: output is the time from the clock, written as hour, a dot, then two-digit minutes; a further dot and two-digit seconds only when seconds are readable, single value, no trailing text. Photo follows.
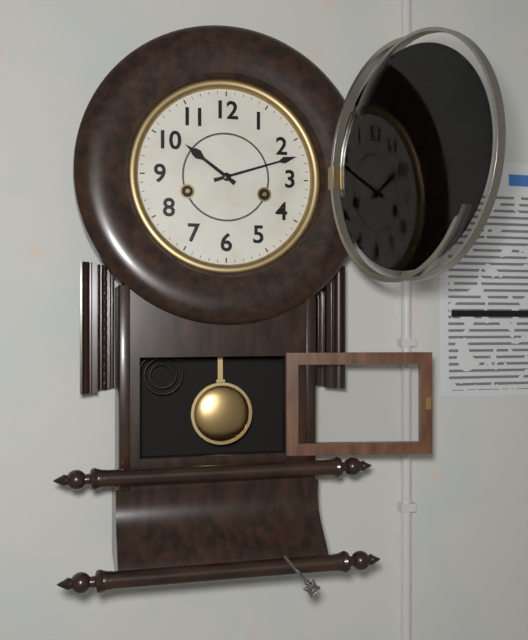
10.12
